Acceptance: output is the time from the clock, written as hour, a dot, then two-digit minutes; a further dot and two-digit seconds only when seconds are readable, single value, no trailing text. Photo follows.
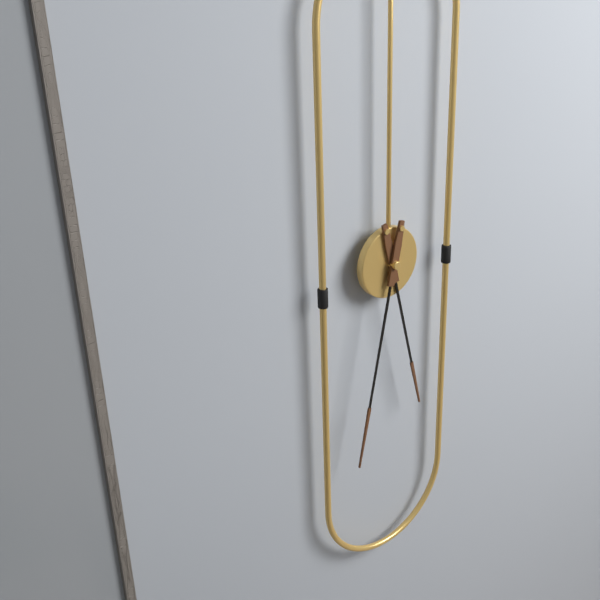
5.32
